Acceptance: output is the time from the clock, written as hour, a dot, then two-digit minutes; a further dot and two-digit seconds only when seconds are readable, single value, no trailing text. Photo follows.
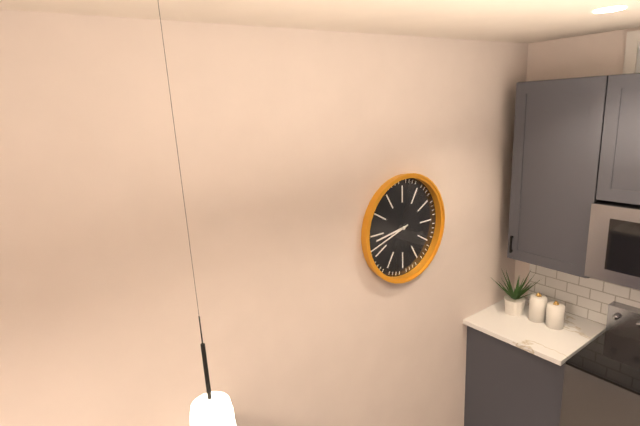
8.42
